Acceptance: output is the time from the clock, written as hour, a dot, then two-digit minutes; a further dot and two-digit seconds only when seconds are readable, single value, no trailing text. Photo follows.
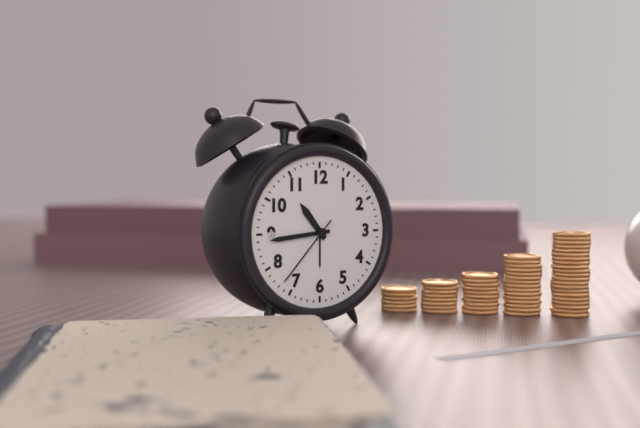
10.44.37
